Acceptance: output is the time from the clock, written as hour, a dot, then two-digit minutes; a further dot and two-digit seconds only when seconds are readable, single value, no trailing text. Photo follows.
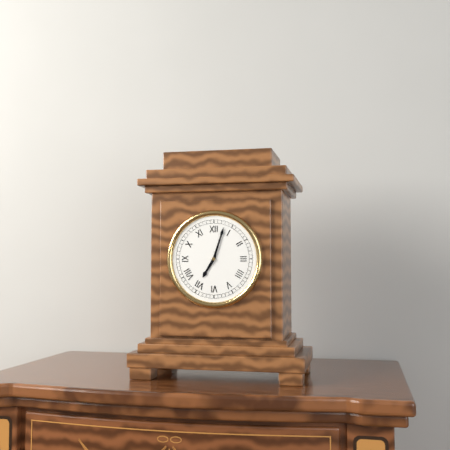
7.03
